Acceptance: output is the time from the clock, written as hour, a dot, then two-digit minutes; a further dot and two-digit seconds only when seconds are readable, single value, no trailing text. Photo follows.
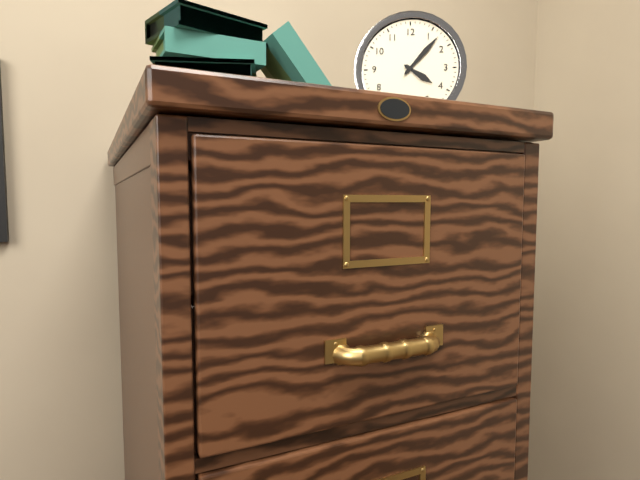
4.07
